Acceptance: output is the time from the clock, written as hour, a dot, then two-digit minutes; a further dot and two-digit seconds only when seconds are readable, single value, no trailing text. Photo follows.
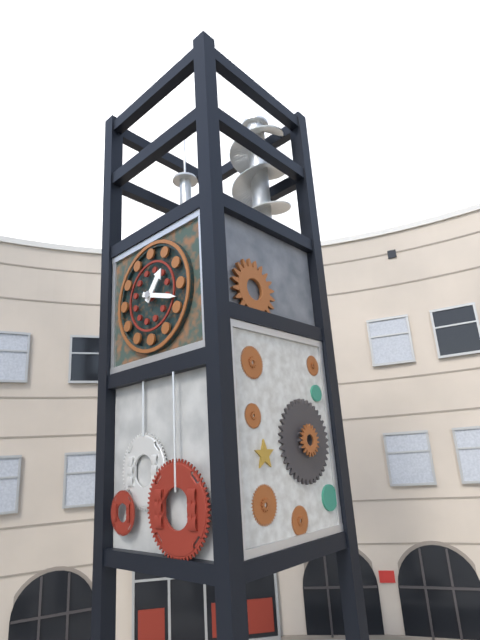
1.18
